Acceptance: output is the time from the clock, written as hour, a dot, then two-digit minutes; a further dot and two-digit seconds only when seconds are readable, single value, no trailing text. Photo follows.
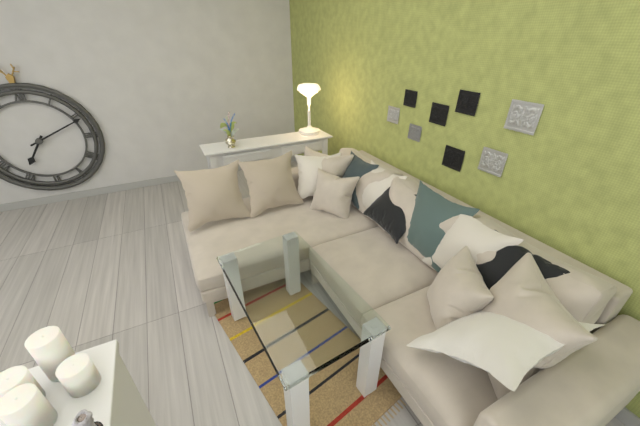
7.11
